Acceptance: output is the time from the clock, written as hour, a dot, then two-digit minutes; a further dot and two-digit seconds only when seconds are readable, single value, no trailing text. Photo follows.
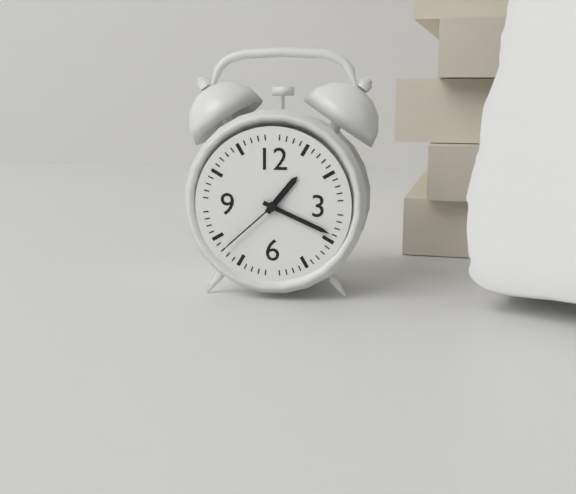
1.19.38
